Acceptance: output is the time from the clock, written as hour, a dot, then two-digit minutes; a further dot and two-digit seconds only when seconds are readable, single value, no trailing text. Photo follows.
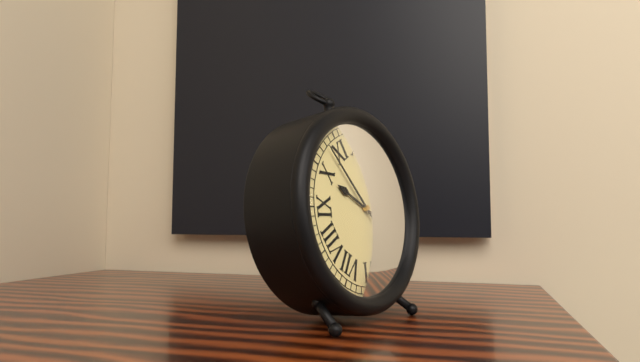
9.53
